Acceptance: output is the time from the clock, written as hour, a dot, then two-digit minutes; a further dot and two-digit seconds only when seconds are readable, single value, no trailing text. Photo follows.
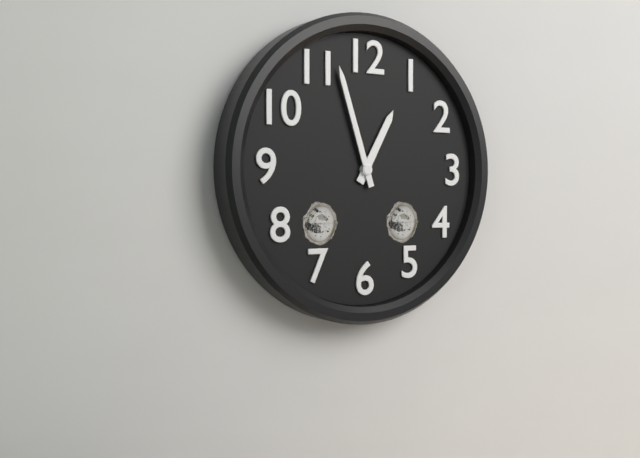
12.57
